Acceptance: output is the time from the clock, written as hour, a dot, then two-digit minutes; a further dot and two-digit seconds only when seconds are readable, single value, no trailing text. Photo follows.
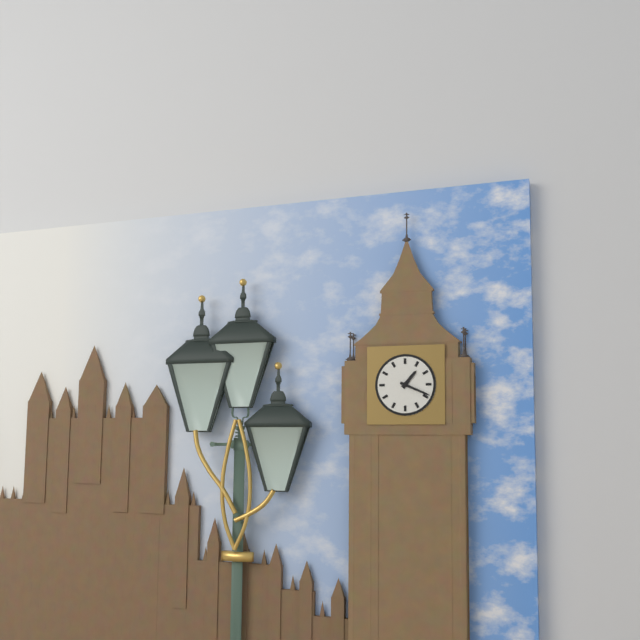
1.19
